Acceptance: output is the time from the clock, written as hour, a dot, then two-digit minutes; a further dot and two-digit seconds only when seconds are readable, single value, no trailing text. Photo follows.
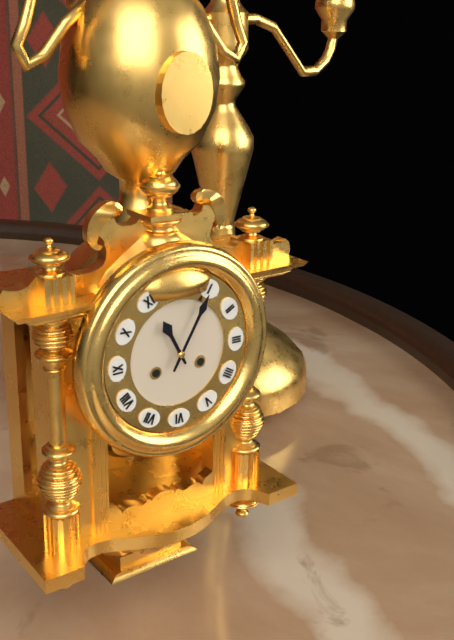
11.05
